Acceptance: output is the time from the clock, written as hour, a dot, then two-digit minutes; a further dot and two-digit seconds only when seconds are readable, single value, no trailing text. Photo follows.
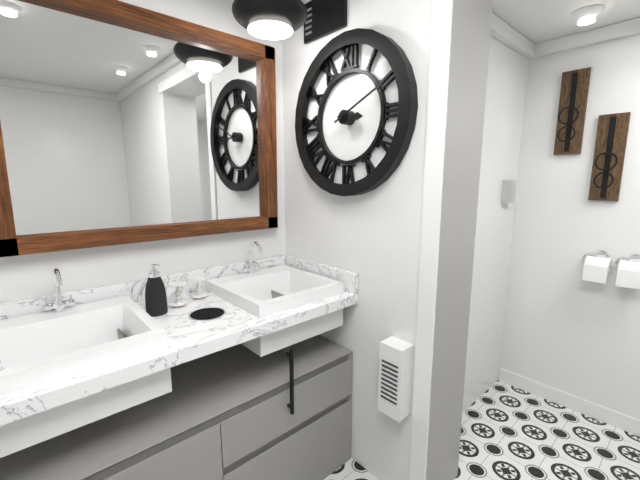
3.11
